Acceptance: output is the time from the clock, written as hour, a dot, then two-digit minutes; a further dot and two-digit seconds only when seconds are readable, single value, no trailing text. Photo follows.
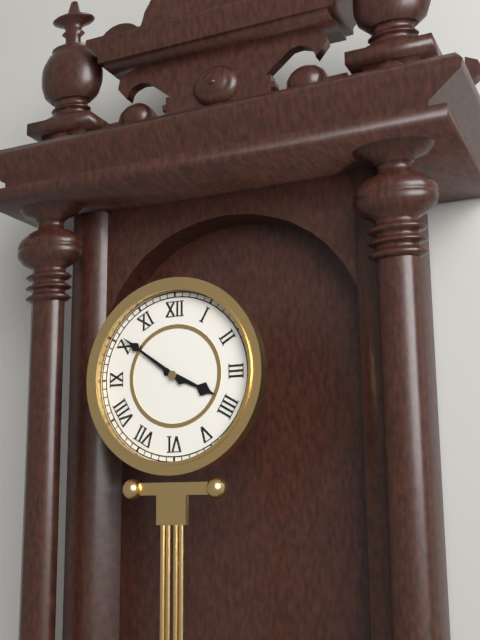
3.51
